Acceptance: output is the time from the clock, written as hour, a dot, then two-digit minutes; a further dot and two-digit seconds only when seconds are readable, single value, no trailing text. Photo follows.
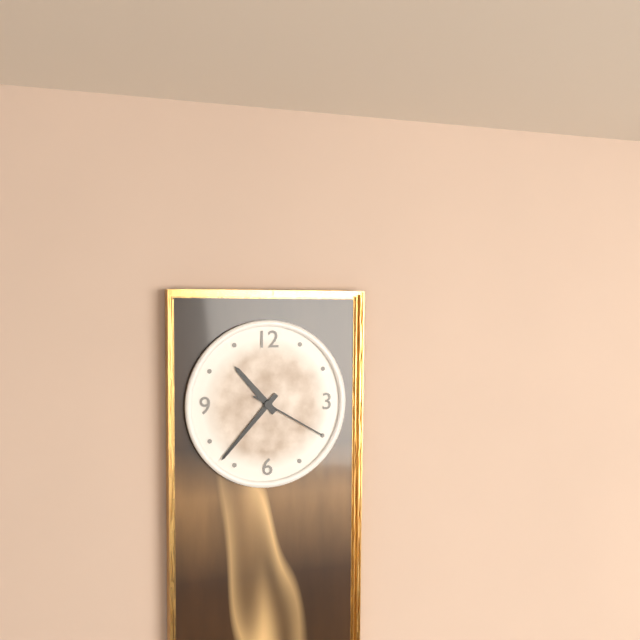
10.37.20
